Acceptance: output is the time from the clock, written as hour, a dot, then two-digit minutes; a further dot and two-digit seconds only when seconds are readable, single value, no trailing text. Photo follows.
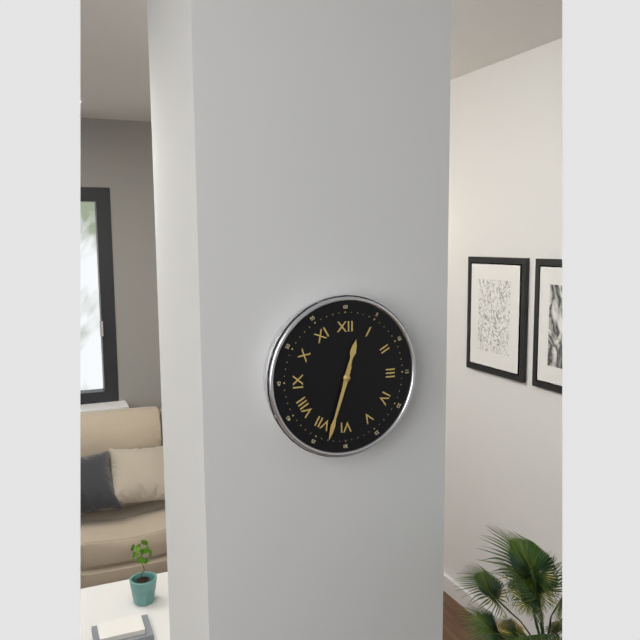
12.33
